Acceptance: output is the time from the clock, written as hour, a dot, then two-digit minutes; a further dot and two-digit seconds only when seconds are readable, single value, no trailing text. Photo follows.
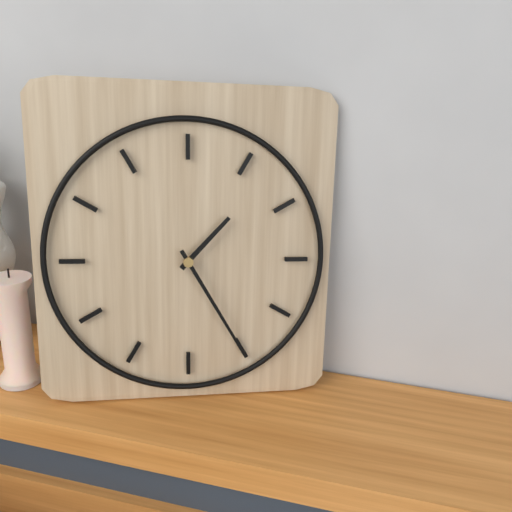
1.25
